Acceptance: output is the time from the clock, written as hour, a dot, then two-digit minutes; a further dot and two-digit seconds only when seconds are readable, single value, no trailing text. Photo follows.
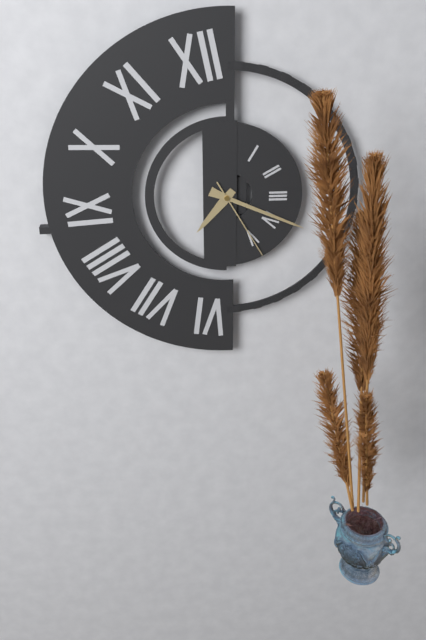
7.19.25
